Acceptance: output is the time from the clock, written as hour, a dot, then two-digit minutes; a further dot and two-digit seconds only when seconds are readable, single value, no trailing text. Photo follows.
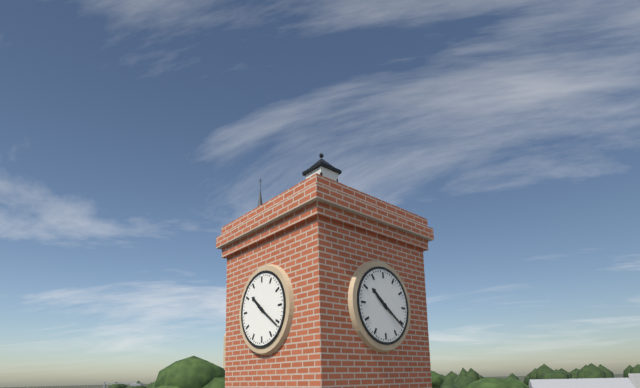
10.21
